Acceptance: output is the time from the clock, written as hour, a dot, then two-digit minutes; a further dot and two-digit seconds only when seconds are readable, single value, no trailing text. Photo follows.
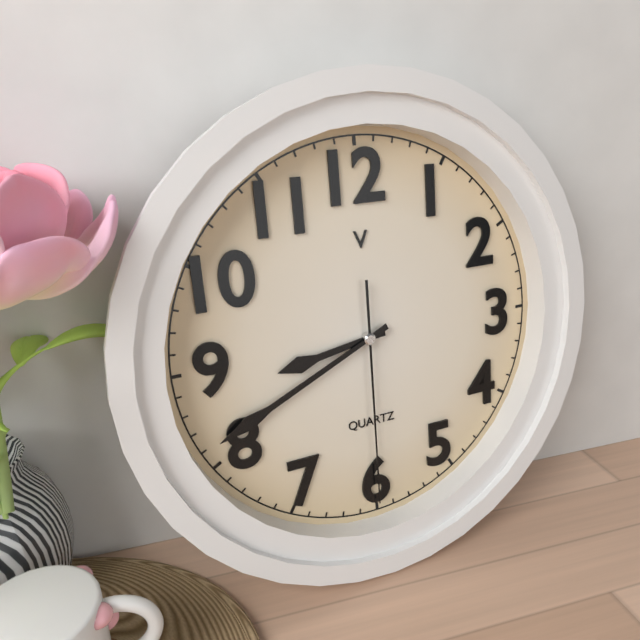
8.41.30
